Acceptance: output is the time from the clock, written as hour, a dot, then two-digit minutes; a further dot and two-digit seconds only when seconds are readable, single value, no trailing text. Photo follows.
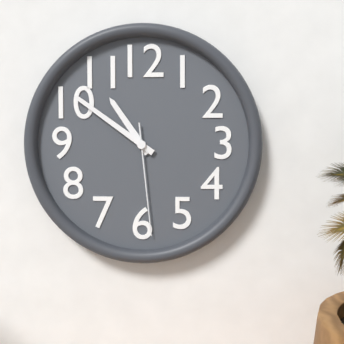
10.51.29
